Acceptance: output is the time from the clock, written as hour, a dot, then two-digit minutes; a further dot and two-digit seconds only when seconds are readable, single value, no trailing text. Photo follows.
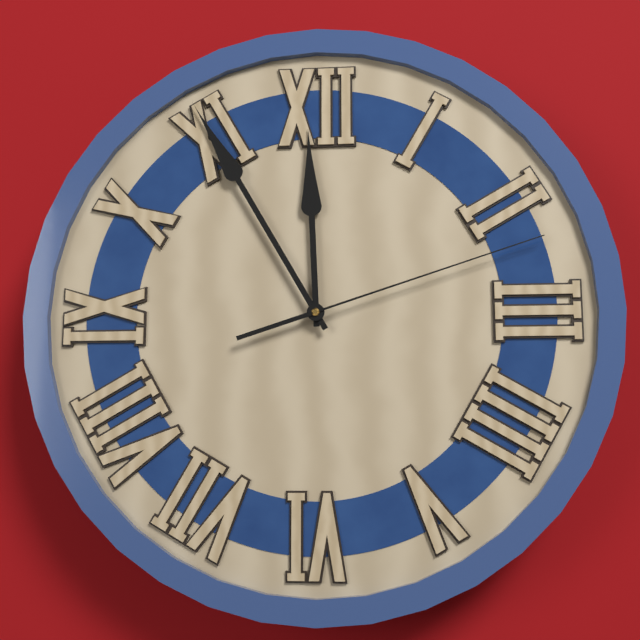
11.55.12
